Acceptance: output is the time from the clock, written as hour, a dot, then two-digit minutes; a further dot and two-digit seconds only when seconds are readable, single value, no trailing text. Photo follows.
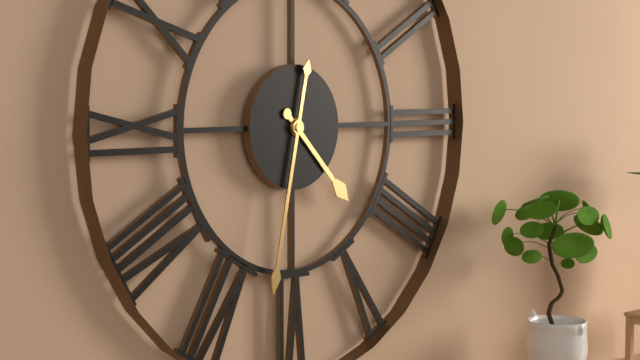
4.32
